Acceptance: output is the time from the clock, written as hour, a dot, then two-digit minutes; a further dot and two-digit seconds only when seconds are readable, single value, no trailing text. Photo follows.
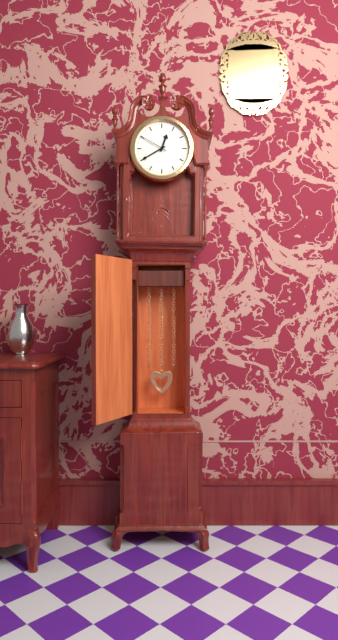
12.40
